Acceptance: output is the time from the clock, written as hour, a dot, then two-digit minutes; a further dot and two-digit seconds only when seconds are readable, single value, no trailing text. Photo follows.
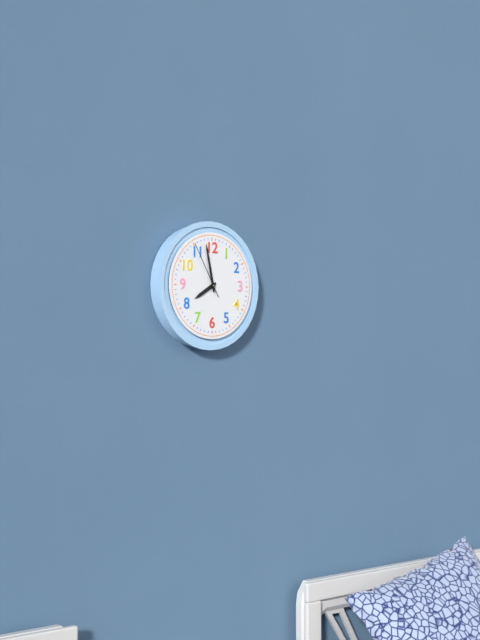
7.58.55
